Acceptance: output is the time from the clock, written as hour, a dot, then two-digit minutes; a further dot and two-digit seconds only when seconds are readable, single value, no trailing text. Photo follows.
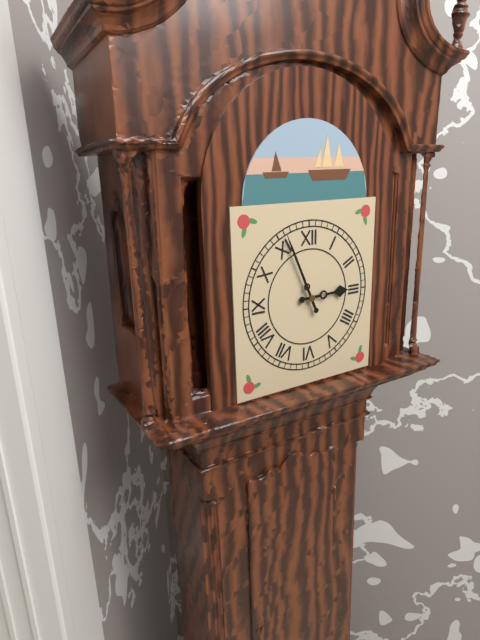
2.56
